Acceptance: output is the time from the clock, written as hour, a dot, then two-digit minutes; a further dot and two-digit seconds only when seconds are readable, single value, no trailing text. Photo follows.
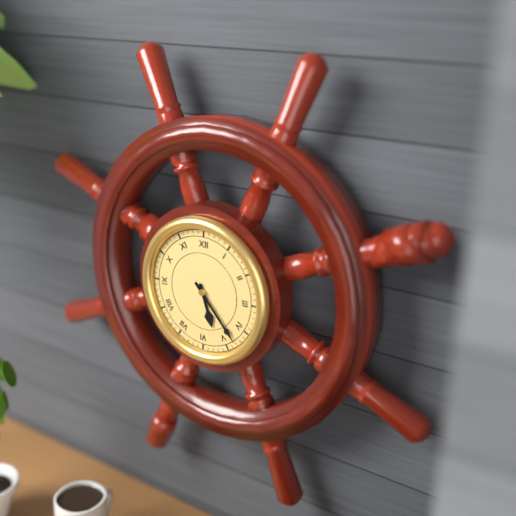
5.23
